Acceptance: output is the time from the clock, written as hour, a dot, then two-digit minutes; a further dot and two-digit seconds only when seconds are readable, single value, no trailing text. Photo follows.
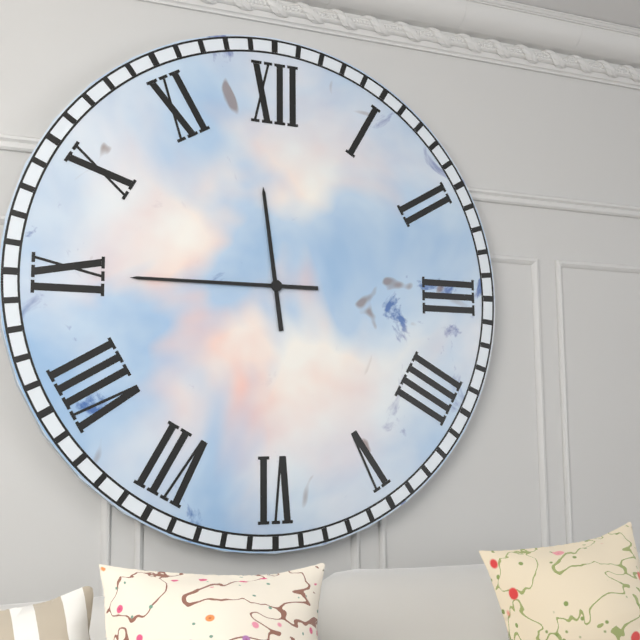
11.45
